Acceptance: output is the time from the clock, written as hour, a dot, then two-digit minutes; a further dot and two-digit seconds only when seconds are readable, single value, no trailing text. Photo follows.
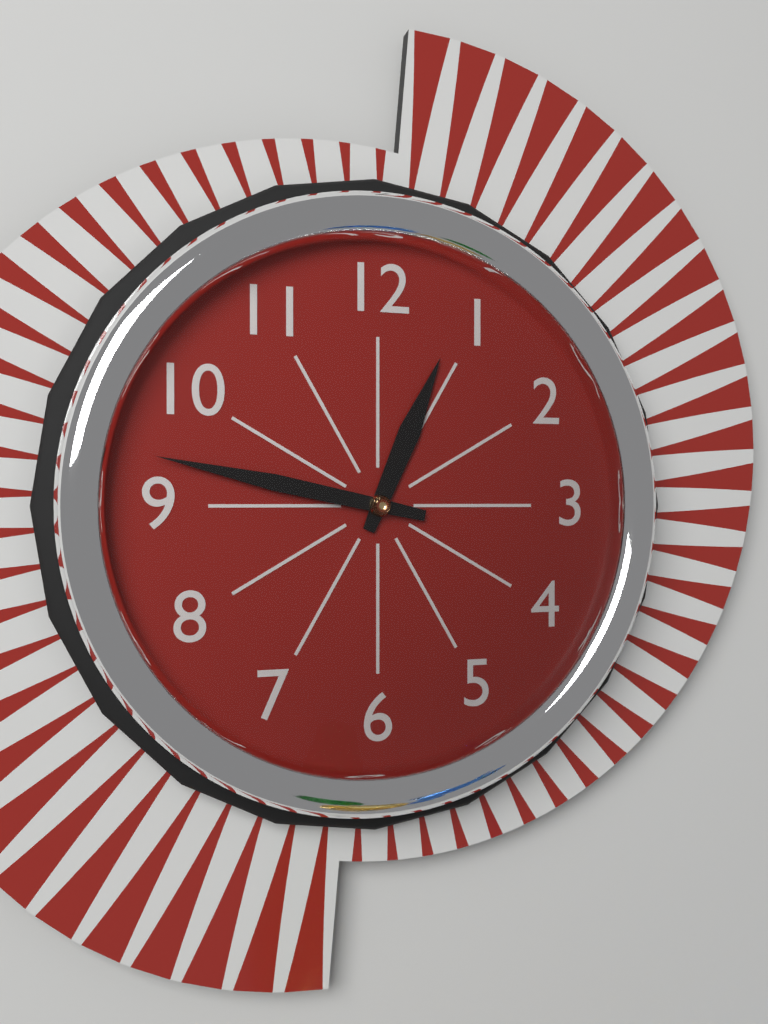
12.47
